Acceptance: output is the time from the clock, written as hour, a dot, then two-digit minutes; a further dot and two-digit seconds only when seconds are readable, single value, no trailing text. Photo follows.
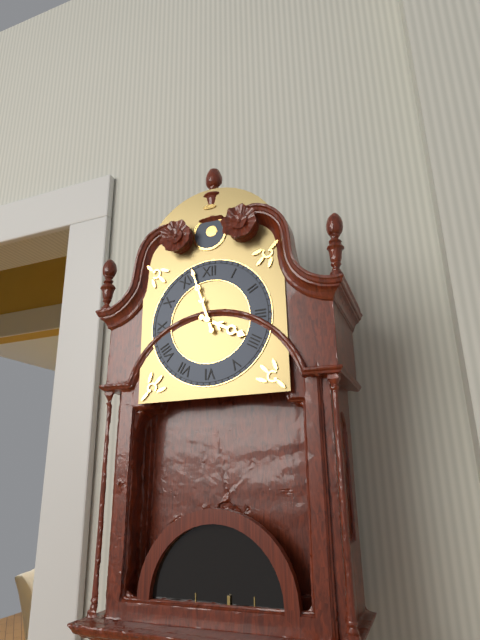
3.57
